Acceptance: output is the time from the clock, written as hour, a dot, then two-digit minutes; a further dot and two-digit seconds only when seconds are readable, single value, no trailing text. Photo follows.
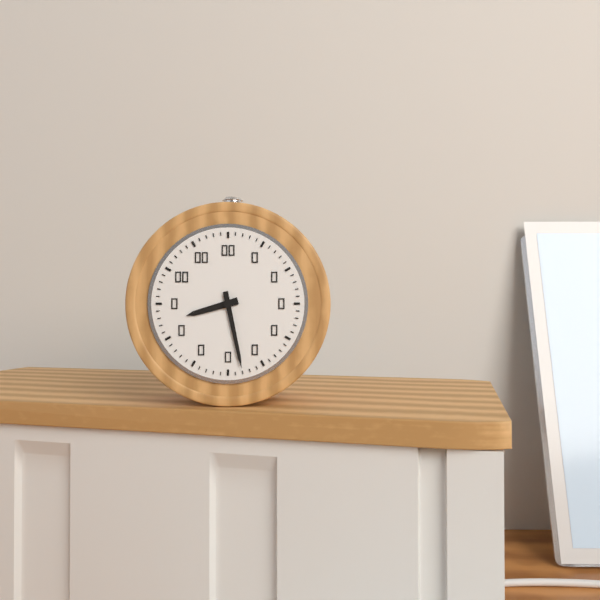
8.28
